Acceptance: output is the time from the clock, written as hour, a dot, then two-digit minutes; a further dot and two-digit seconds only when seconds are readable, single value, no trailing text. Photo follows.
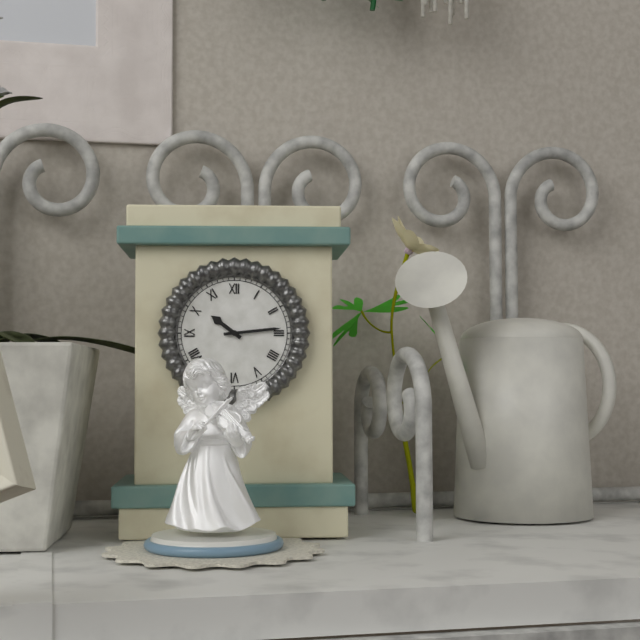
10.14
